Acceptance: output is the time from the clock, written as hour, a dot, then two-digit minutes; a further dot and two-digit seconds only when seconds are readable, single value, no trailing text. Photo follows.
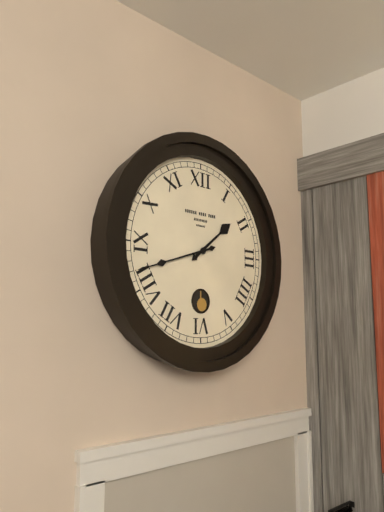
1.42
